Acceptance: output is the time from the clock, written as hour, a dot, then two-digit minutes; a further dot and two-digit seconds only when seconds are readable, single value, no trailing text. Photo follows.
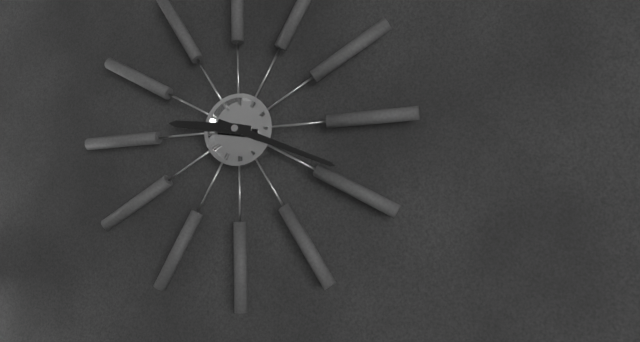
9.19
